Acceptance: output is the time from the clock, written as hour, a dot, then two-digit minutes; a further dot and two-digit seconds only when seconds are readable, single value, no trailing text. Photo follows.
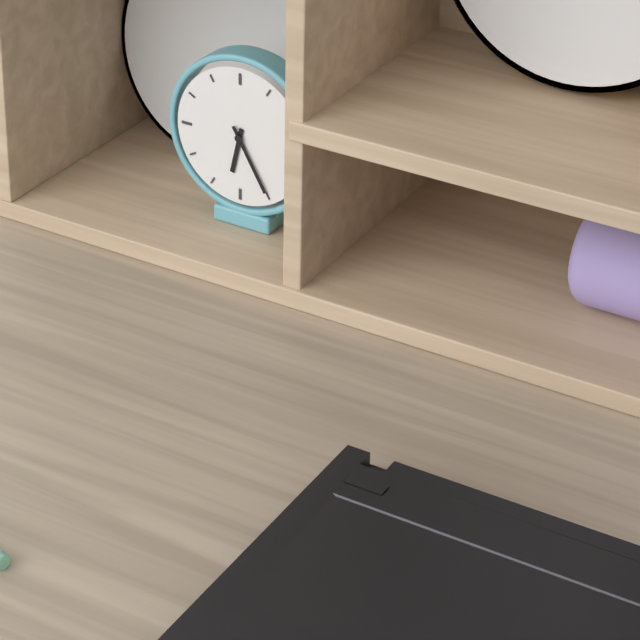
6.25
